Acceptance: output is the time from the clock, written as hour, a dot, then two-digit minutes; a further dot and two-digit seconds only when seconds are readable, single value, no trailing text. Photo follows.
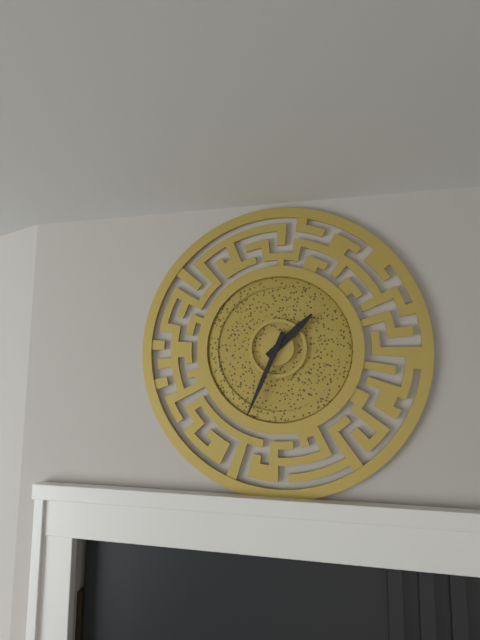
1.34
